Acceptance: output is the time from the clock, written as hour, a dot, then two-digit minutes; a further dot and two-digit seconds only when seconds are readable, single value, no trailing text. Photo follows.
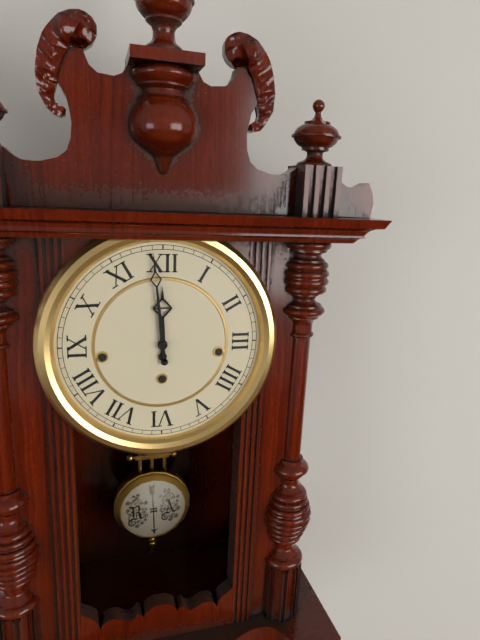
11.59
